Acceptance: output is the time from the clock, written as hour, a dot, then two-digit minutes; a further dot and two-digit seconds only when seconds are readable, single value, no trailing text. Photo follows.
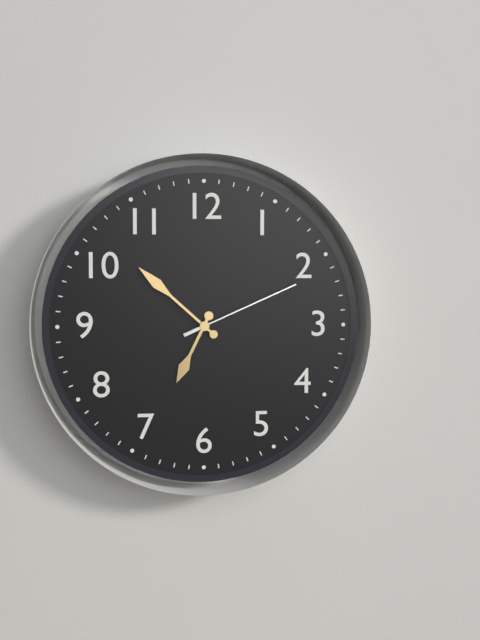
6.52.11
